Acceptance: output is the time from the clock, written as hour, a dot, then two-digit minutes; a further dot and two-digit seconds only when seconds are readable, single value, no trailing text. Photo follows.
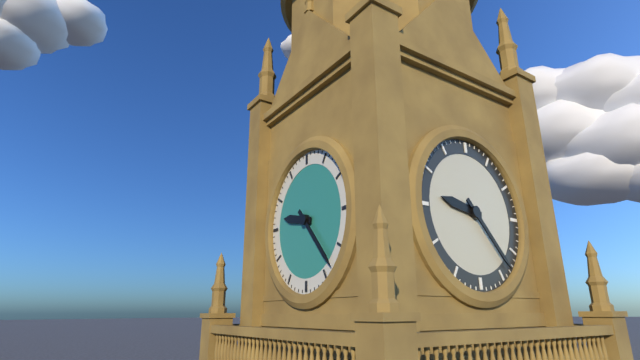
9.23
